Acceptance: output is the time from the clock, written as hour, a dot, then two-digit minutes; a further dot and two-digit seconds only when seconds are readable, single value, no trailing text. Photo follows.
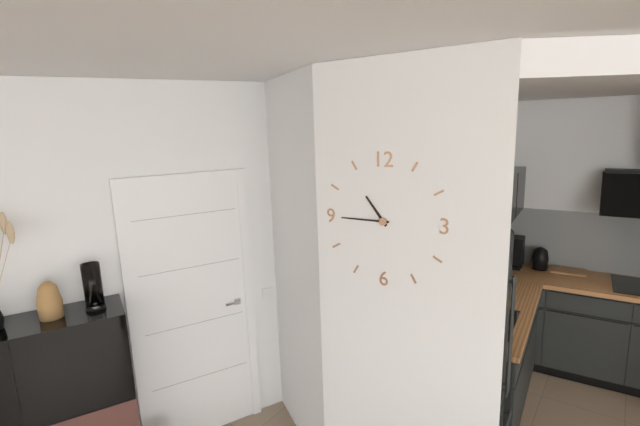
10.45
